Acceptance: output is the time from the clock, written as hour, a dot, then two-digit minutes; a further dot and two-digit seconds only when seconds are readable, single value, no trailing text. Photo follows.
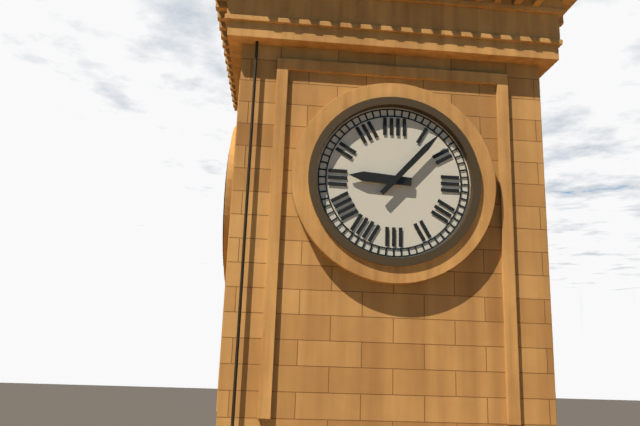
9.07
